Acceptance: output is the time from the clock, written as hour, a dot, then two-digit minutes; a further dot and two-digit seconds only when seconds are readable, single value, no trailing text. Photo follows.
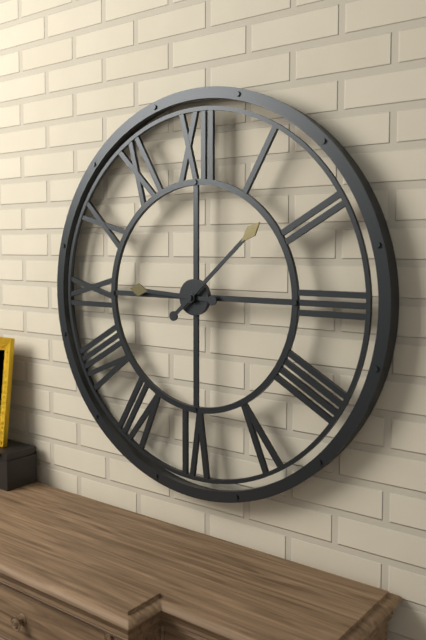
9.08
